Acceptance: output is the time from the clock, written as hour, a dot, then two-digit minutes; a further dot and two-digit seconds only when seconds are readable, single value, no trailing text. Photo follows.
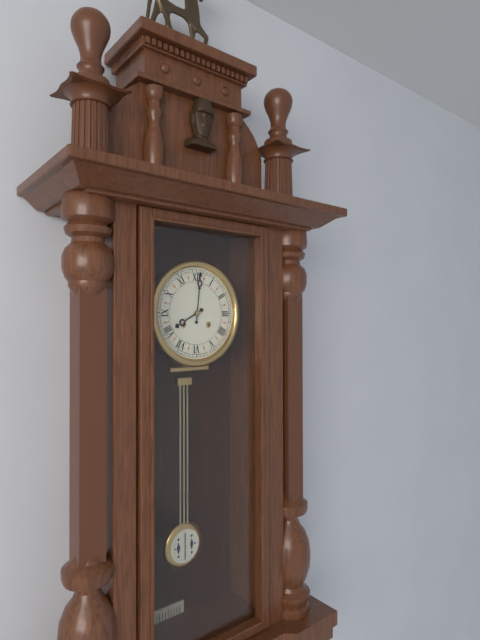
8.01
